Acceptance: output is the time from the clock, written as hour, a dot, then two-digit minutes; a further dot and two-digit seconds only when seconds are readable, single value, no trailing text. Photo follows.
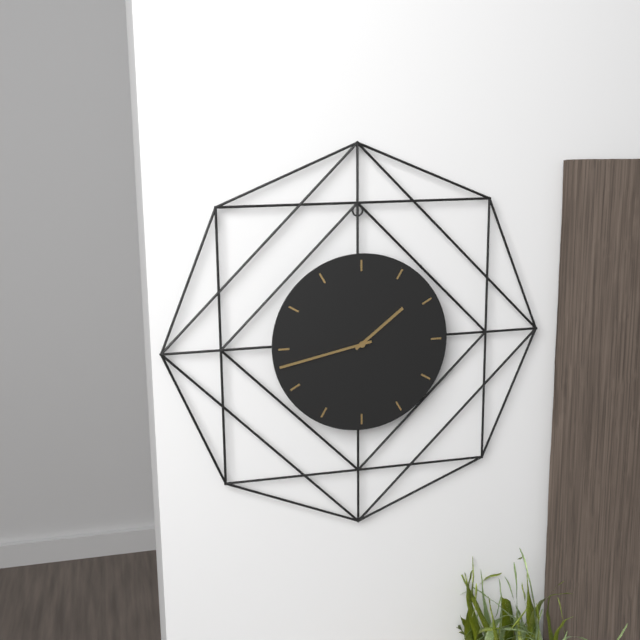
1.43
